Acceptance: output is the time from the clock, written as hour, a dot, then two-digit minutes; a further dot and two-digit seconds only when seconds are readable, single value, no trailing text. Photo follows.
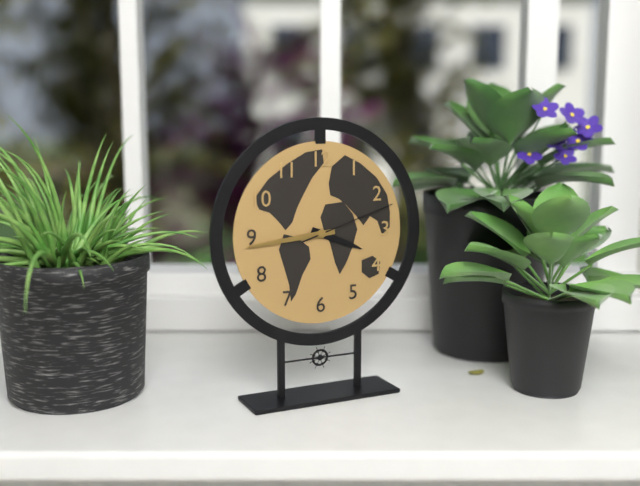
3.44.12
